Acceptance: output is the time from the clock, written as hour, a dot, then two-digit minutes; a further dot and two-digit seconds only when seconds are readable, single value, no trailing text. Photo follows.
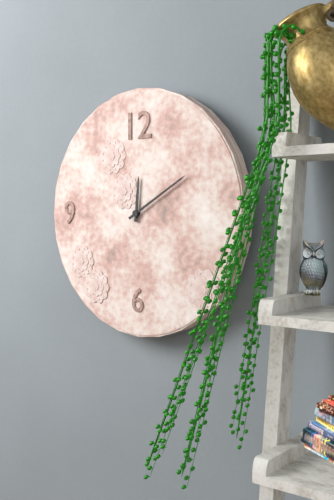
12.10
